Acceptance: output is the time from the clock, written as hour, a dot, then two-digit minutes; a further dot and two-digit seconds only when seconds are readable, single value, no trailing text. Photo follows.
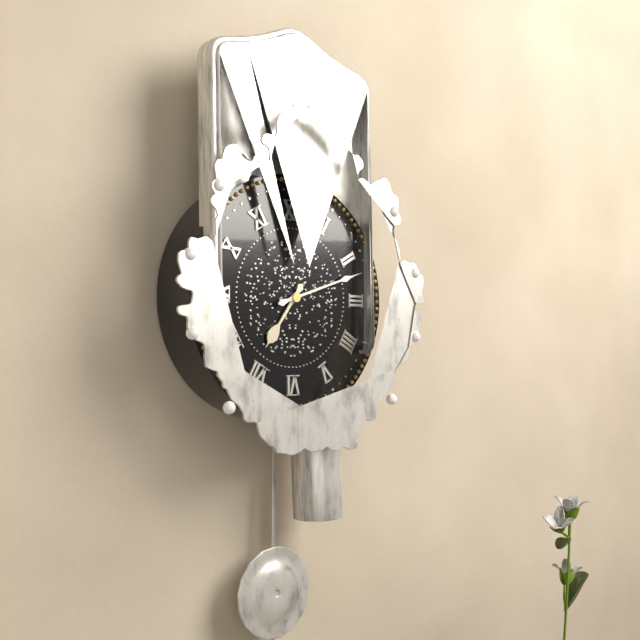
7.12
